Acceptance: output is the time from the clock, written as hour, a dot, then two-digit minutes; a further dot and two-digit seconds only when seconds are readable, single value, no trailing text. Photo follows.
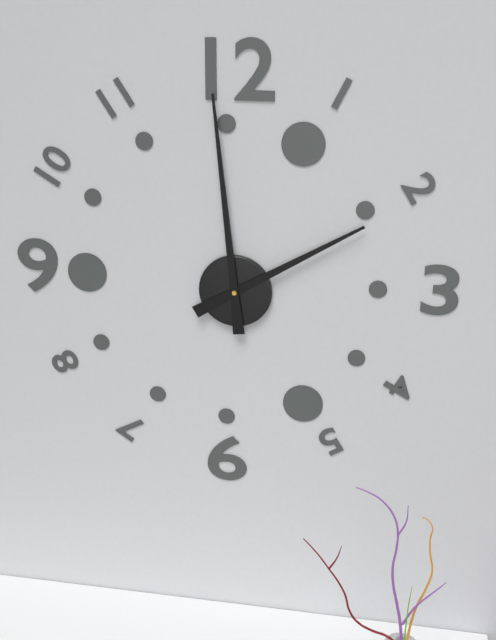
1.59
